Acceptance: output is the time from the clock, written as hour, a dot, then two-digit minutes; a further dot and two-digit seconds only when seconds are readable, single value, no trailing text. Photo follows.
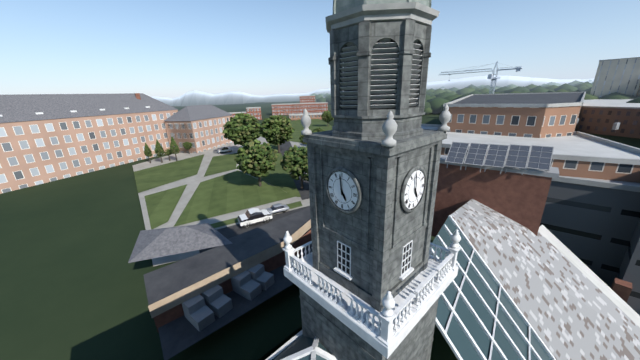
4.59
